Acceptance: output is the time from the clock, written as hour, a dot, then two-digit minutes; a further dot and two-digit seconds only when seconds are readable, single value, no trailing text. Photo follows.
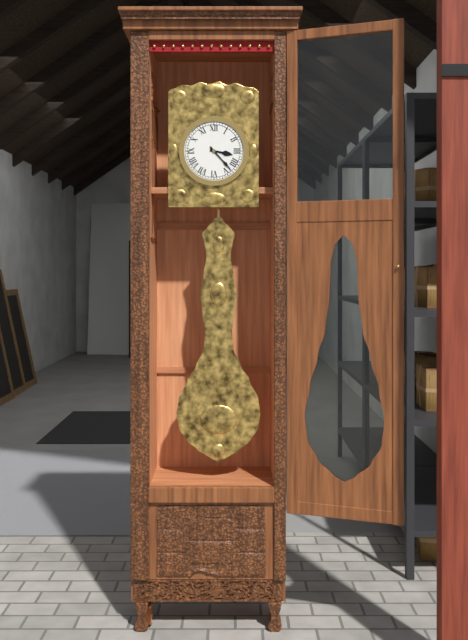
3.23
